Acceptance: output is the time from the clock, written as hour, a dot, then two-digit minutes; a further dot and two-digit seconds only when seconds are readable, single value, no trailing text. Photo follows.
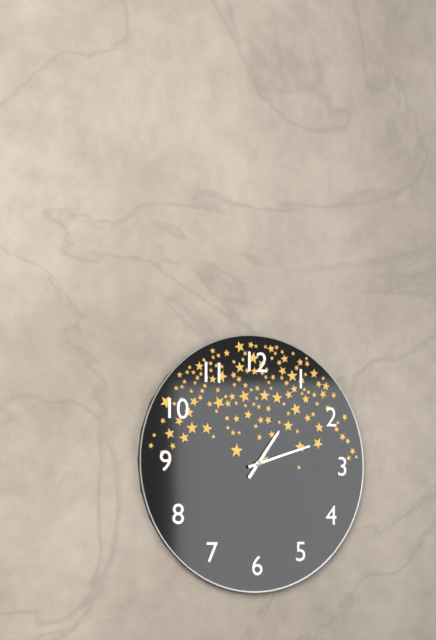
1.12
